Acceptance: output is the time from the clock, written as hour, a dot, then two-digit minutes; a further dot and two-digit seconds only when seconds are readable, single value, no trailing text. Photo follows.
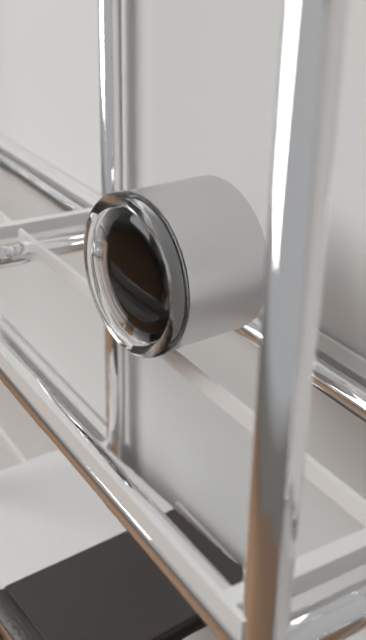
6.29
